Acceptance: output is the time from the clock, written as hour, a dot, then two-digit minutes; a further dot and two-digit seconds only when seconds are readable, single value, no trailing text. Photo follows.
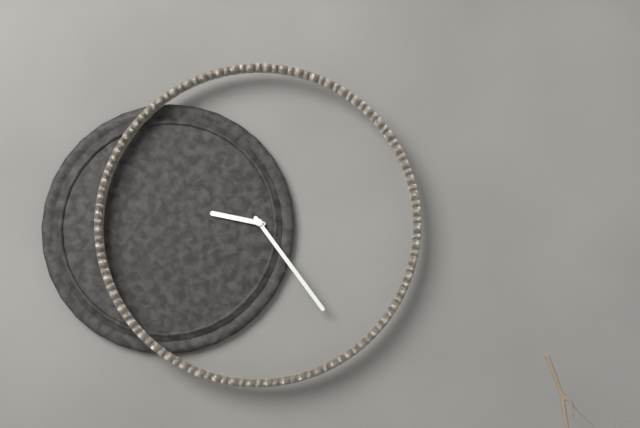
9.24
